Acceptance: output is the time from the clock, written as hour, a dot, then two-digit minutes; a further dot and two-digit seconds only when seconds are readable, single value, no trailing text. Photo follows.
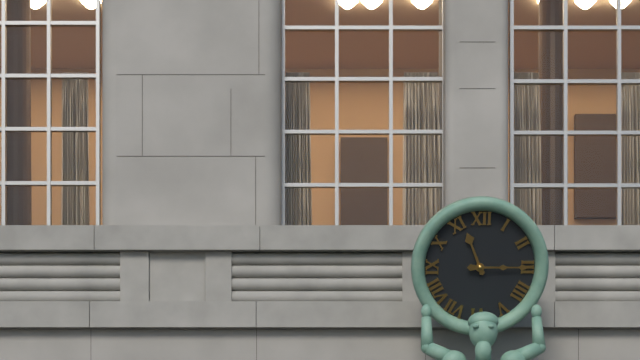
11.15
